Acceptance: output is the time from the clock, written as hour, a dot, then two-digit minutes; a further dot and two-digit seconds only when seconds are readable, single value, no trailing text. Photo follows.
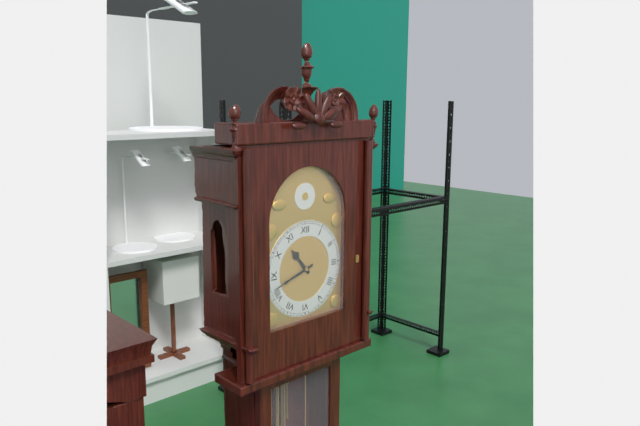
10.42
